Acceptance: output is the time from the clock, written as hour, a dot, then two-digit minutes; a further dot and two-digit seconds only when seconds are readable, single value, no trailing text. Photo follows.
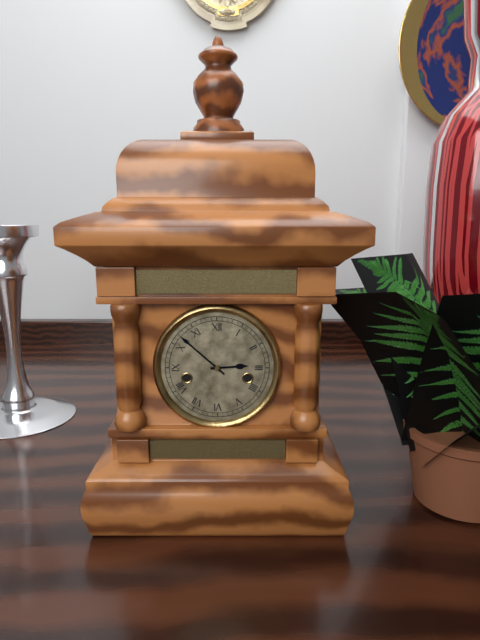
2.52
